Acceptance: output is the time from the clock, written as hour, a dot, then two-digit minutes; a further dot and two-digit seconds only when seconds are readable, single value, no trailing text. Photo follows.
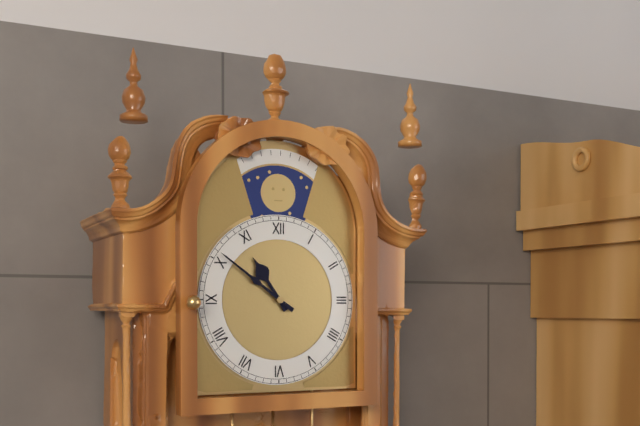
10.51
